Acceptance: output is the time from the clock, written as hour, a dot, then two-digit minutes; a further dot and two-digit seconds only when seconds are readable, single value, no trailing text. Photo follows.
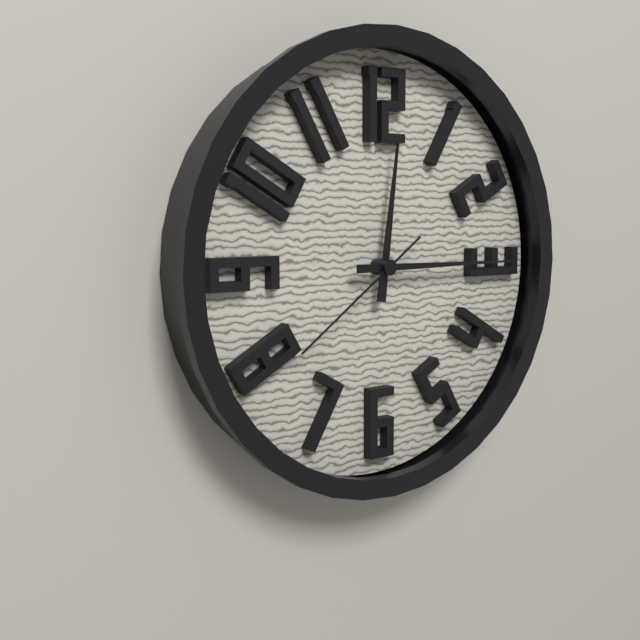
12.15.39
